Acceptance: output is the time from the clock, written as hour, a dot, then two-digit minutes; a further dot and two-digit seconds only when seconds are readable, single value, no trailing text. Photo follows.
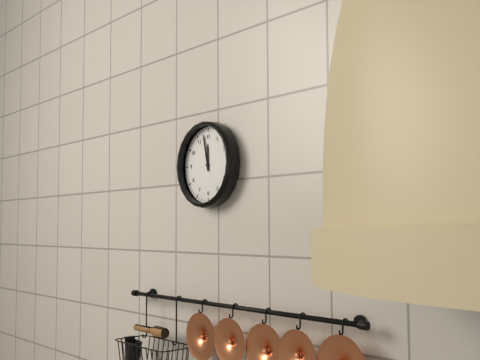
11.58
